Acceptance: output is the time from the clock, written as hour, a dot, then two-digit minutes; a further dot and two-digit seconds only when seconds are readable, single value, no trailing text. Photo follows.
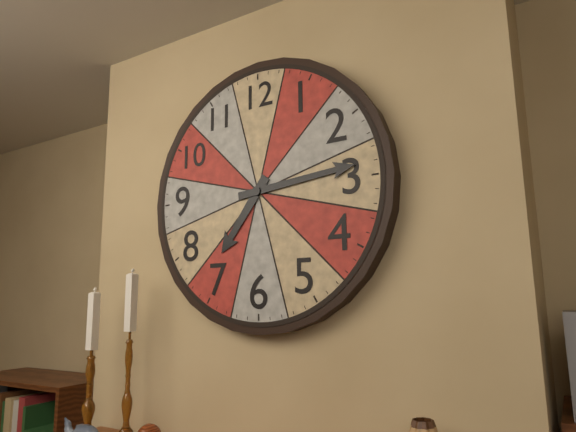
7.14
